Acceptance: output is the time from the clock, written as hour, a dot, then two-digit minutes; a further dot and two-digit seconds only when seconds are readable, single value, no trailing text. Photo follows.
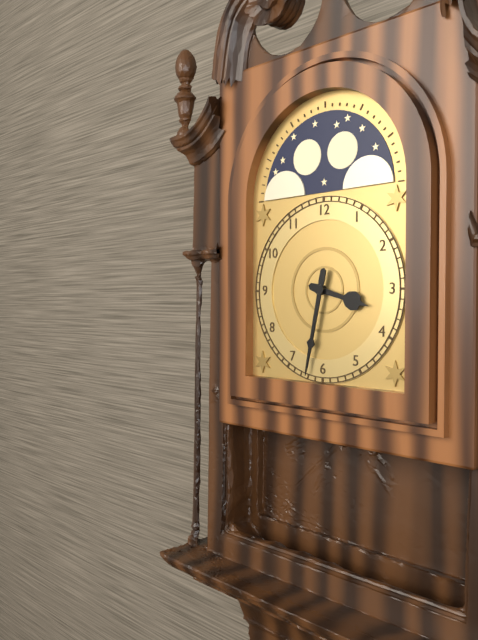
3.32
